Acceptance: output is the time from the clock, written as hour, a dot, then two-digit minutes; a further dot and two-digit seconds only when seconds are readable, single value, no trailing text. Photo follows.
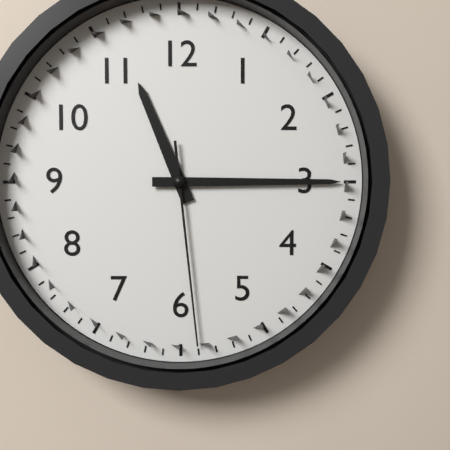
11.15.29
